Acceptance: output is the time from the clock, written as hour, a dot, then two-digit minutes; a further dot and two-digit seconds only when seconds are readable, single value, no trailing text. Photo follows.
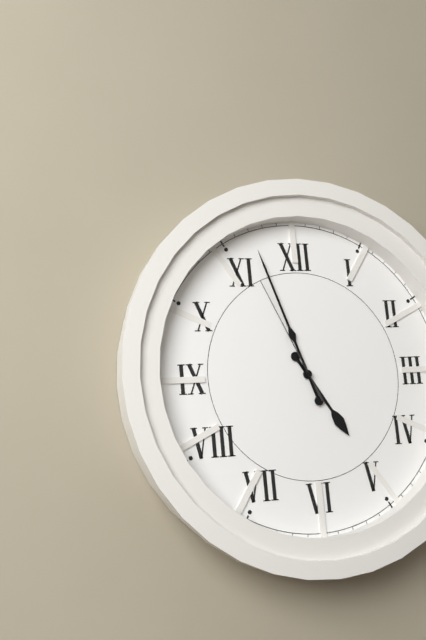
4.57.56
